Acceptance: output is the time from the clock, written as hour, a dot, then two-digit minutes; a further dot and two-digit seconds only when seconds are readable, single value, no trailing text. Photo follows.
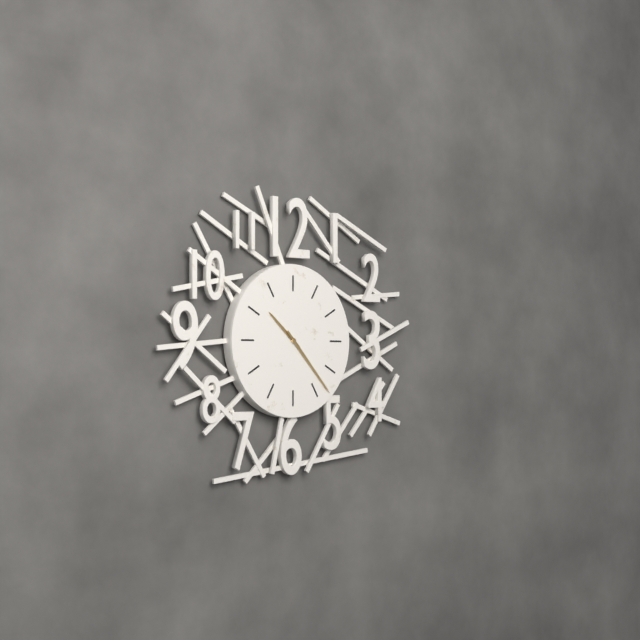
10.23
